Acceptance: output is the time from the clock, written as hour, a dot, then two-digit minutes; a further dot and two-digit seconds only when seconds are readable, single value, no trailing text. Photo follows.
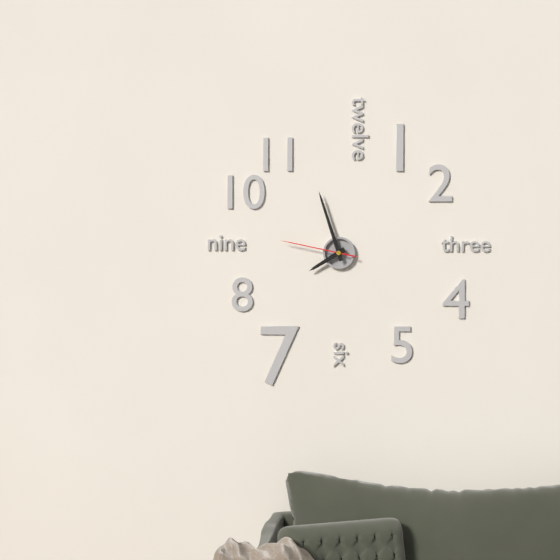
7.57.47
